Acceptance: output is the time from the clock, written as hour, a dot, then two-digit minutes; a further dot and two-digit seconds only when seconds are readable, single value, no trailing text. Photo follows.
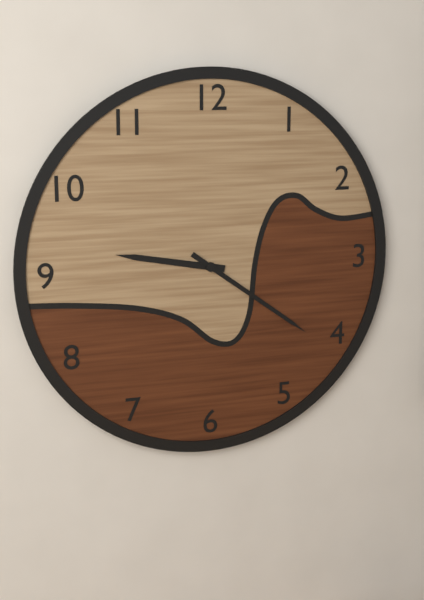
9.21
